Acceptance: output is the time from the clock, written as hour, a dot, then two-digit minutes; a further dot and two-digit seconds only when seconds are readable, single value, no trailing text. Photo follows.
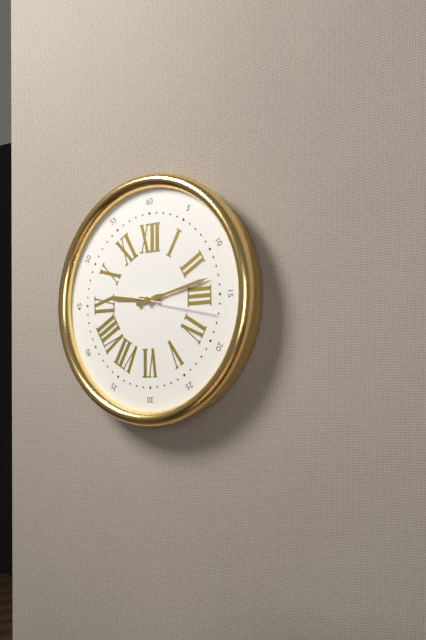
9.13.17
